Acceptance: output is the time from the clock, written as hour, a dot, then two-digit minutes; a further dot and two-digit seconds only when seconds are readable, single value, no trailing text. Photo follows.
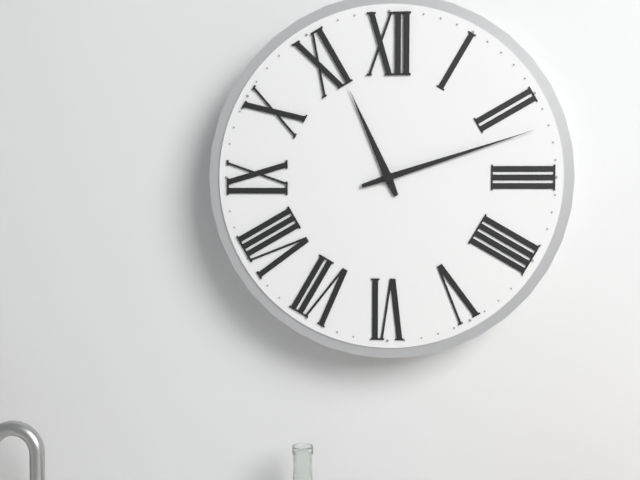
11.12
